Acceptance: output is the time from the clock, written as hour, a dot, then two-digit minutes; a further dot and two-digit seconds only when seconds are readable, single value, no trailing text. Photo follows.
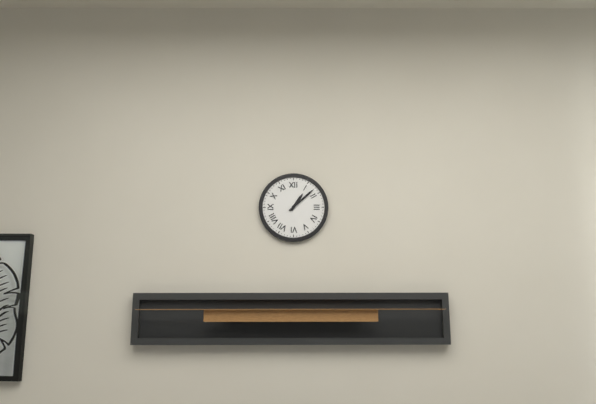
1.08
